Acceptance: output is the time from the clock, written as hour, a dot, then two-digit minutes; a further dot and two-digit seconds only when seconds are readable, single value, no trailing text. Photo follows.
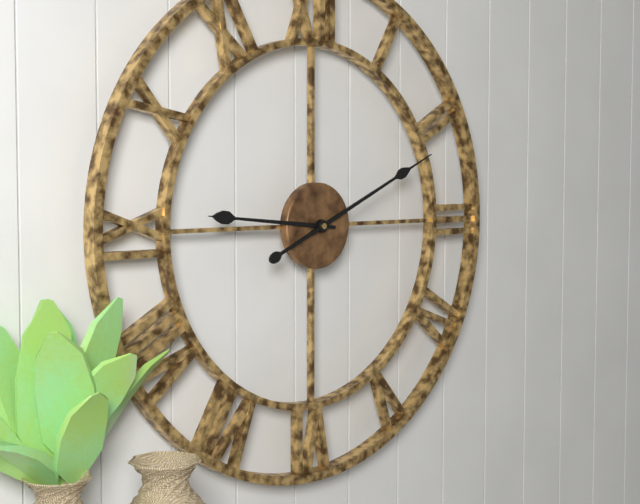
9.11
